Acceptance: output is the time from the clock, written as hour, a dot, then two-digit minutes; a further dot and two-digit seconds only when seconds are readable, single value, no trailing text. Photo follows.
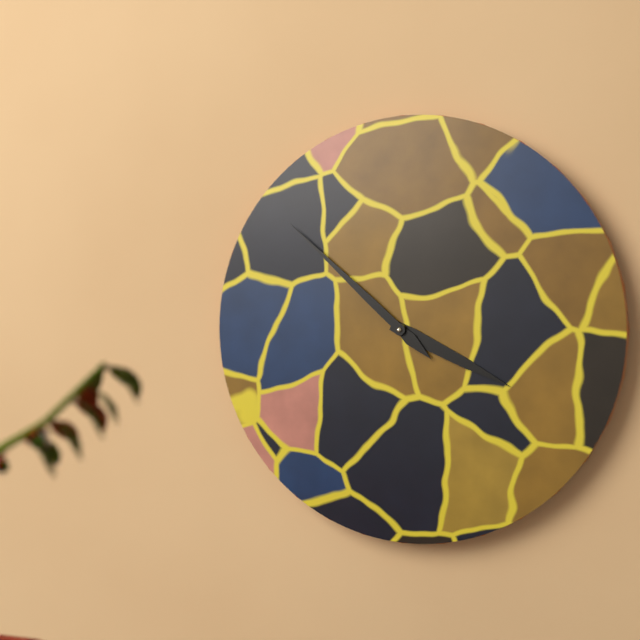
3.52
